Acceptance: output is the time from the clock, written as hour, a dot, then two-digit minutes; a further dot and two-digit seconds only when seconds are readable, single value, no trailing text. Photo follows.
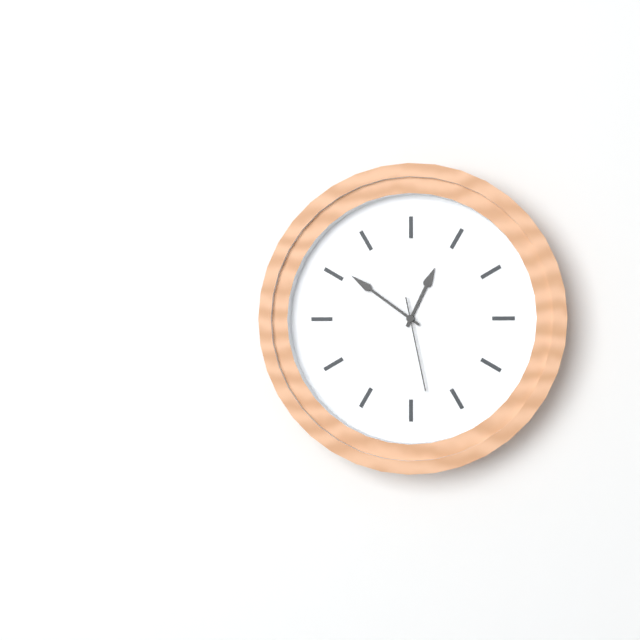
12.51.28
